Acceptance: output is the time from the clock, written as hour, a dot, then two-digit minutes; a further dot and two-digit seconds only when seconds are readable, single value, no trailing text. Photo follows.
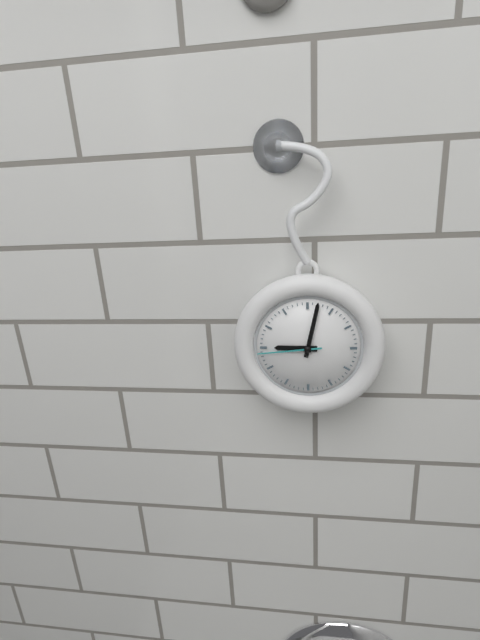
9.02.44
